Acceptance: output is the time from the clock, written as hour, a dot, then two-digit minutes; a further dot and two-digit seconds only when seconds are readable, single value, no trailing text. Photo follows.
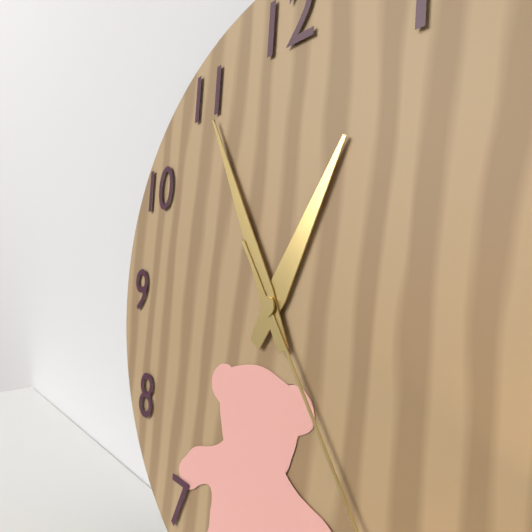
12.55
